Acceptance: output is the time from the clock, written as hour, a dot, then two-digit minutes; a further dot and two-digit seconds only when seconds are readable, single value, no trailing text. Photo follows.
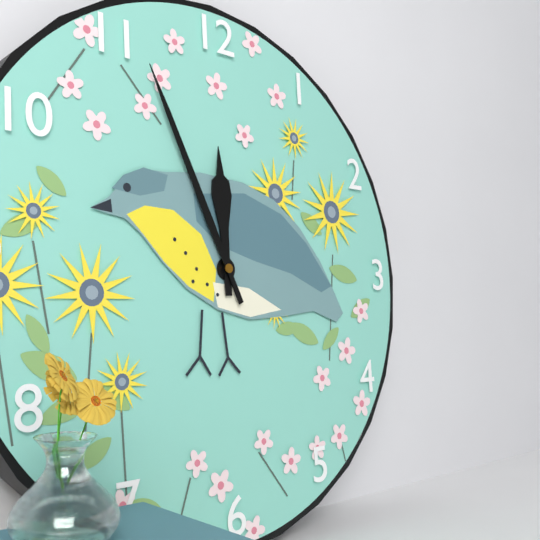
11.56
